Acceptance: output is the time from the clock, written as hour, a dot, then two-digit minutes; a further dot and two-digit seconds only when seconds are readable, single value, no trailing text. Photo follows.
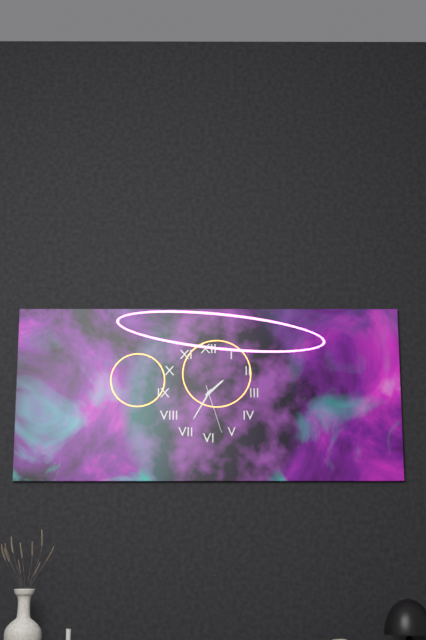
1.35.27
